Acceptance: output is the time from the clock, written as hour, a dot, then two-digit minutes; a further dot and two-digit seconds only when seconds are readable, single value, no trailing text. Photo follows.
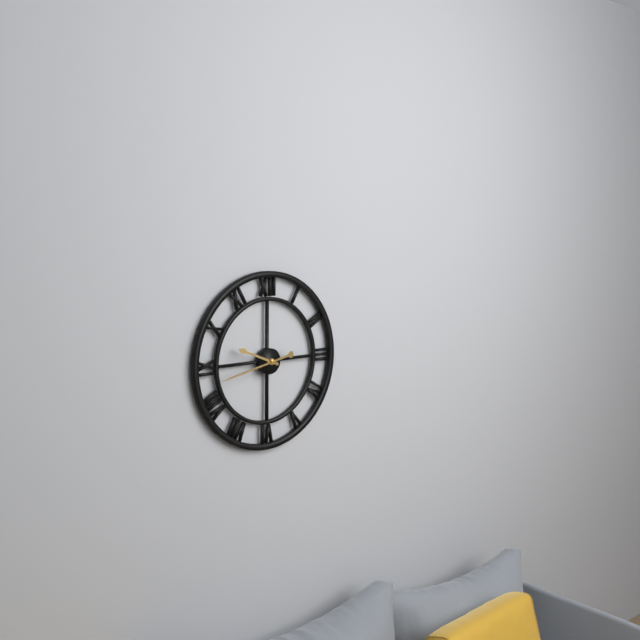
9.43
